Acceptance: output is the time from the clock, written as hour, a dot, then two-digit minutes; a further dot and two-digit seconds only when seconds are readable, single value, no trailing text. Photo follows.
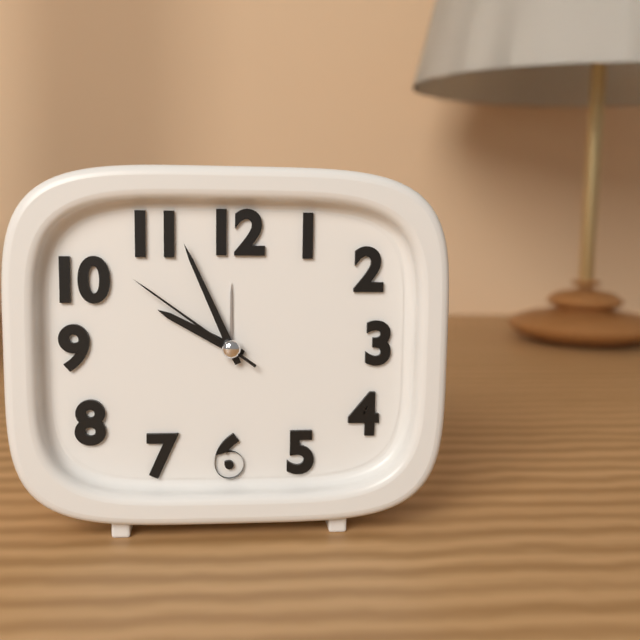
9.56.51
